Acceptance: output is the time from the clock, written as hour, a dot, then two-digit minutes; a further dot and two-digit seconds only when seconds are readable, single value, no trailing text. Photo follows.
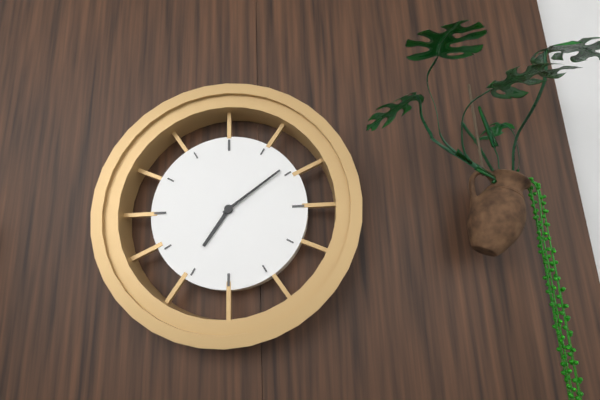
7.09
